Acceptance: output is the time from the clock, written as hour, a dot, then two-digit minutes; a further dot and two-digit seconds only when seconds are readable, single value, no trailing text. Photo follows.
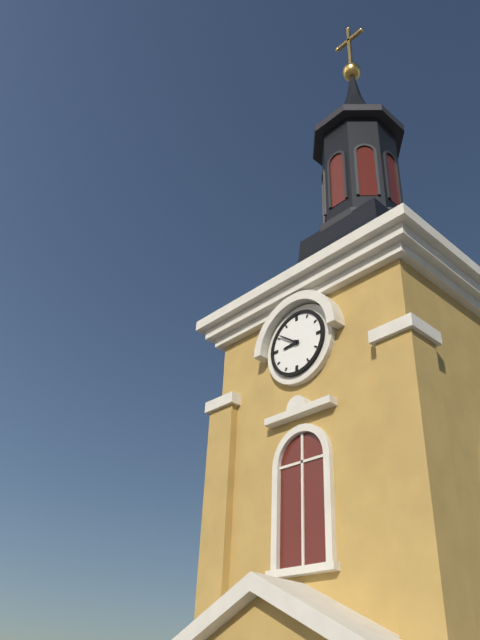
8.51
